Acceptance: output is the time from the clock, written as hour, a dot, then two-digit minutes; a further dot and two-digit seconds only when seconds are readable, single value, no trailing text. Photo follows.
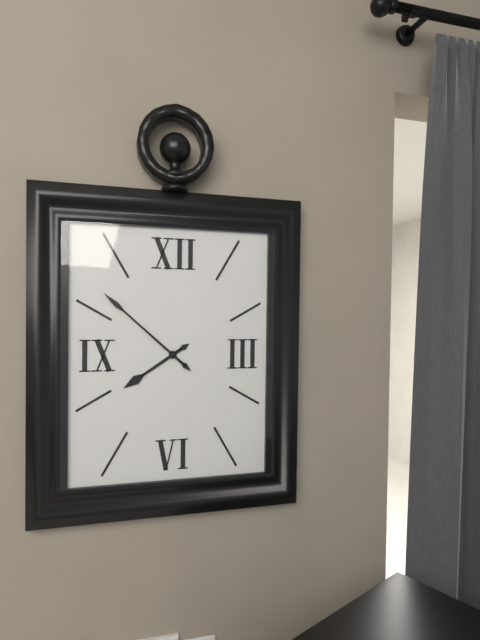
7.52
